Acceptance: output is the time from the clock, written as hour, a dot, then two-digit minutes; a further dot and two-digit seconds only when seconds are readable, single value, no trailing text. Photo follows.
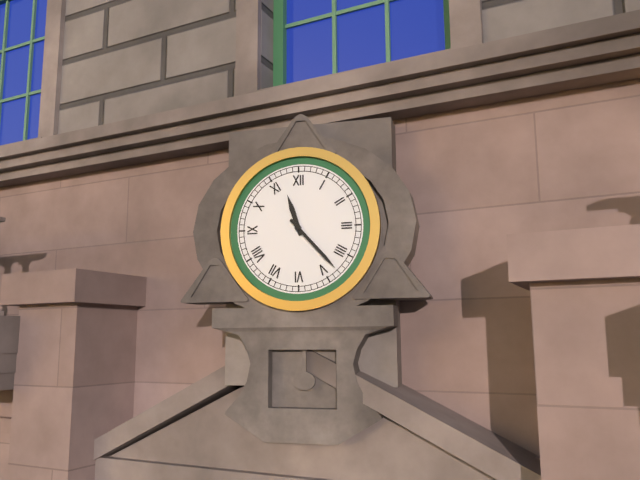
11.23
